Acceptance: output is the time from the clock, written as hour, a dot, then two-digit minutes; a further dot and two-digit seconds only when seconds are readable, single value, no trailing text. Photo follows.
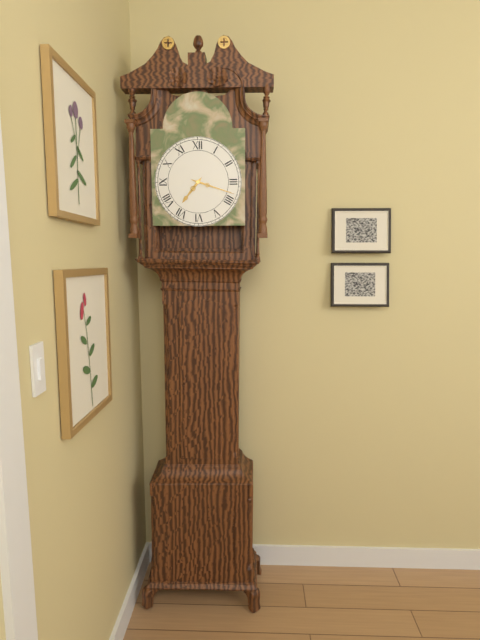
7.18
